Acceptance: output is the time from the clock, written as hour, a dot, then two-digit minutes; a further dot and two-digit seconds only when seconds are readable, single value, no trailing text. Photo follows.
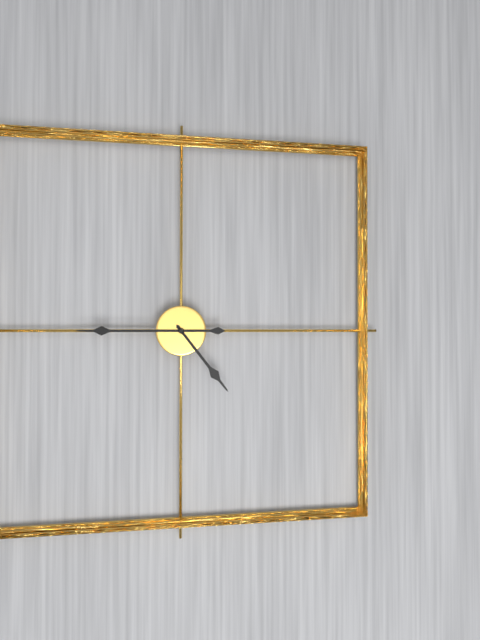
4.45
